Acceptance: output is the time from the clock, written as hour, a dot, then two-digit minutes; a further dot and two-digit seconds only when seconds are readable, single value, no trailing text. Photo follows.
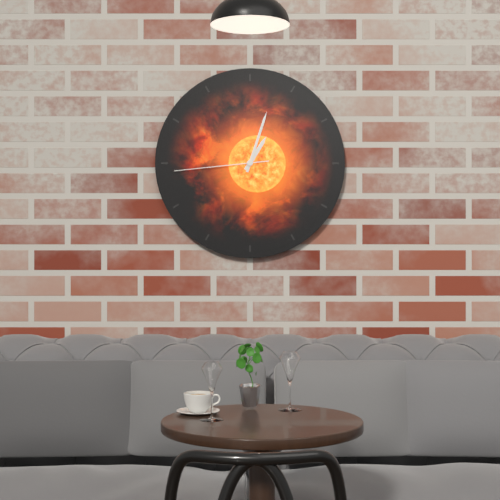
1.03.44
